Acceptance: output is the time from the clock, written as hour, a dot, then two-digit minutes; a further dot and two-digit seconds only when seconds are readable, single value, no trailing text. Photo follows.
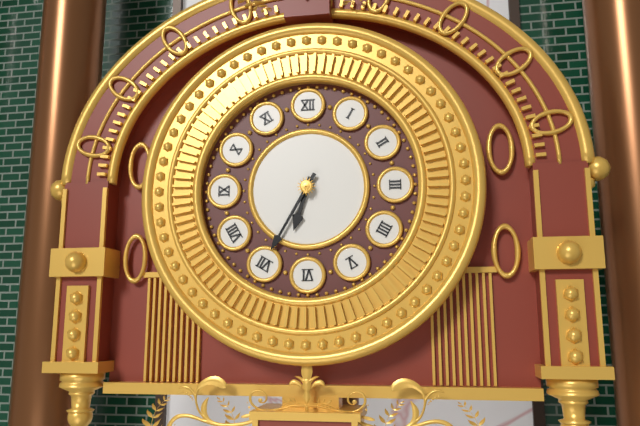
6.35
